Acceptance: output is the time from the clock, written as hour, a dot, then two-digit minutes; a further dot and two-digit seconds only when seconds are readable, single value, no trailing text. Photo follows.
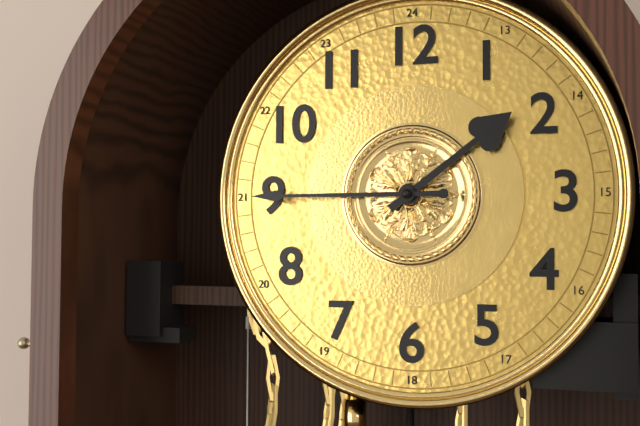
1.45
